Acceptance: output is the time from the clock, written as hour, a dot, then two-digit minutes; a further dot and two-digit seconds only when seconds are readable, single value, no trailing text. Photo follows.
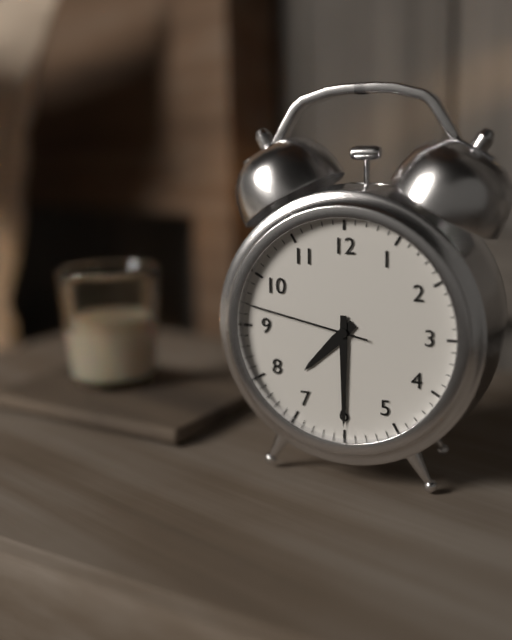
7.30.47
